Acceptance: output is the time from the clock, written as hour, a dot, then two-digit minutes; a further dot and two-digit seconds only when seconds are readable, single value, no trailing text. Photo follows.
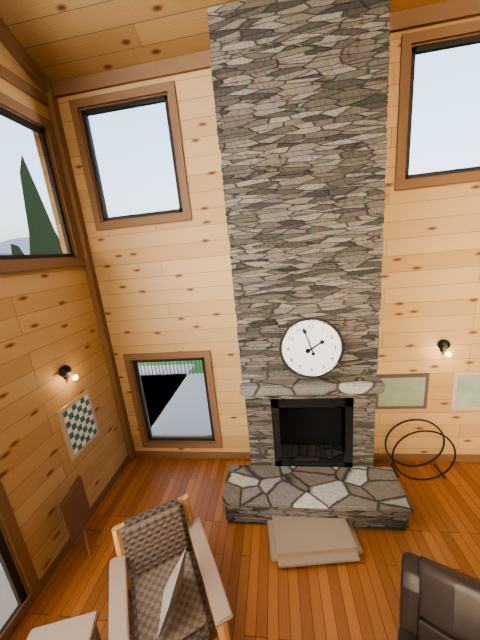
1.57
